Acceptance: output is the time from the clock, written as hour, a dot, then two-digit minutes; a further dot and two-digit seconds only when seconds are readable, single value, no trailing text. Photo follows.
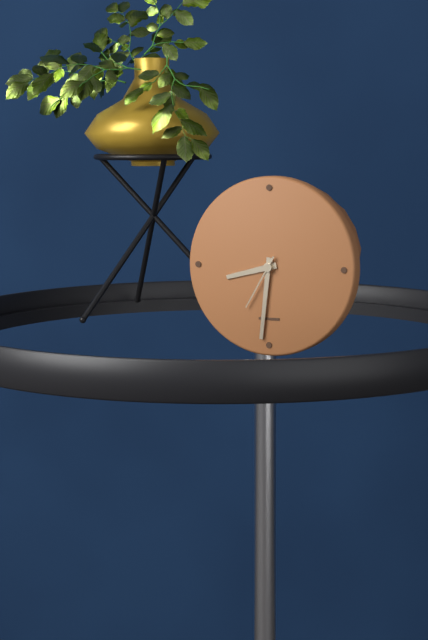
8.31.35
